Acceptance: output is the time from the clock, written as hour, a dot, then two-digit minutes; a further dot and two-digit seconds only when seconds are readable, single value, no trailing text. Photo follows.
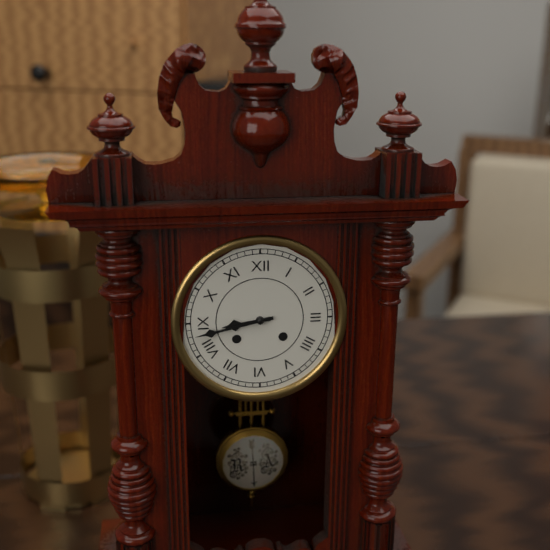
8.43
